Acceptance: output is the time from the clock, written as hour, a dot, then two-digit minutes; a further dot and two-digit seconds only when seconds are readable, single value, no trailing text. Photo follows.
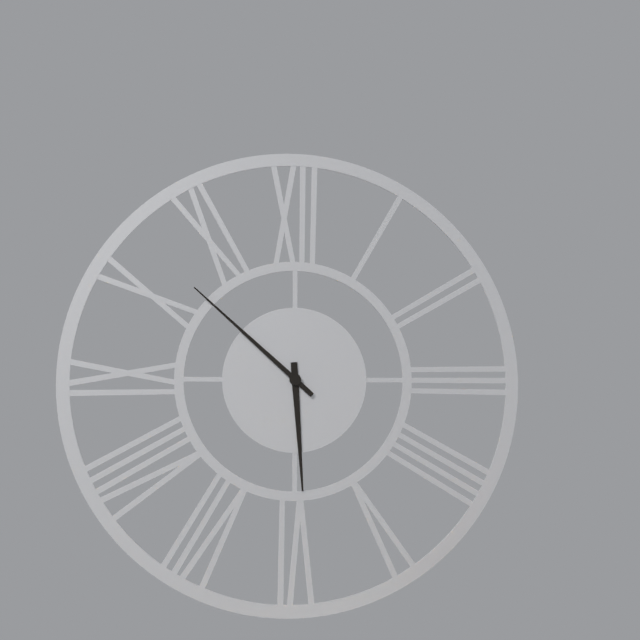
5.52
